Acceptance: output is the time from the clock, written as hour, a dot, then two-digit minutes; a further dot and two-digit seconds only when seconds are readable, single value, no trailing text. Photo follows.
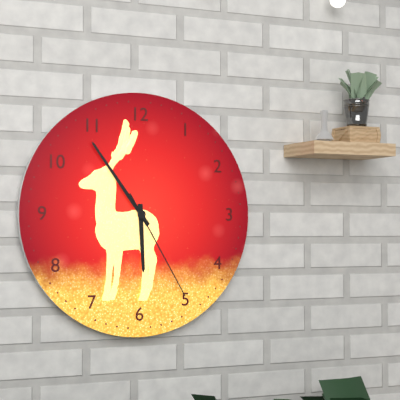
5.54.25
